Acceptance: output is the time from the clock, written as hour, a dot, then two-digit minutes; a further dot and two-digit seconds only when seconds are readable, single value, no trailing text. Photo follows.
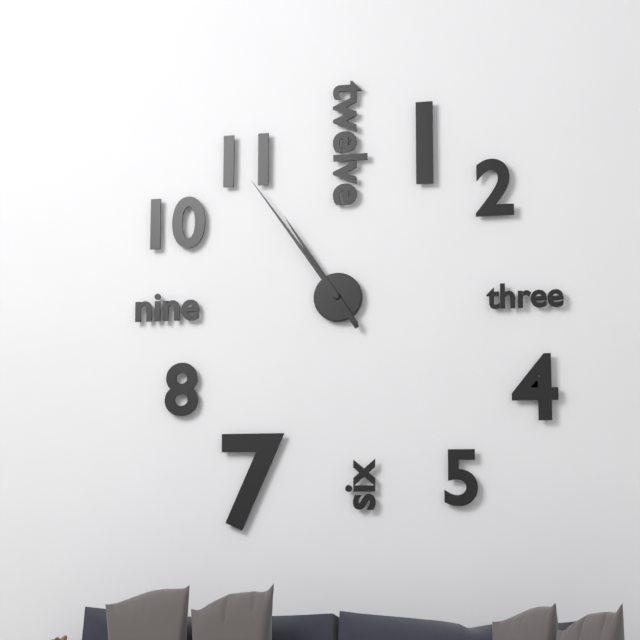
10.54
